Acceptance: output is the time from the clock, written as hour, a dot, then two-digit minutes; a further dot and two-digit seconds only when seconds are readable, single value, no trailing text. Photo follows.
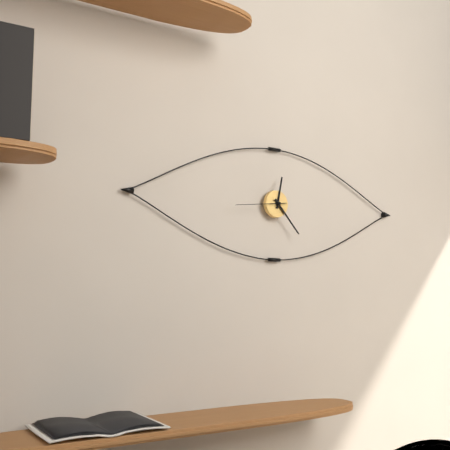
12.23
